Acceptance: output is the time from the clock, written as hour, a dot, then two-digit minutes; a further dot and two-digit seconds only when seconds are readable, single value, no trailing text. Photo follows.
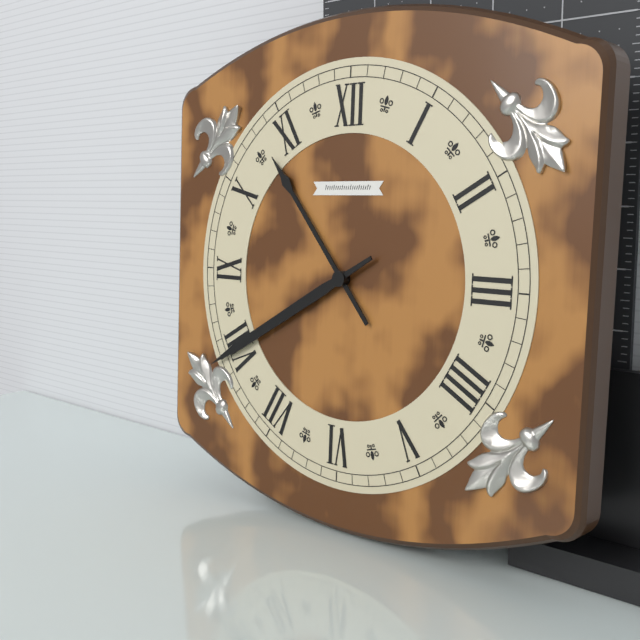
10.40
